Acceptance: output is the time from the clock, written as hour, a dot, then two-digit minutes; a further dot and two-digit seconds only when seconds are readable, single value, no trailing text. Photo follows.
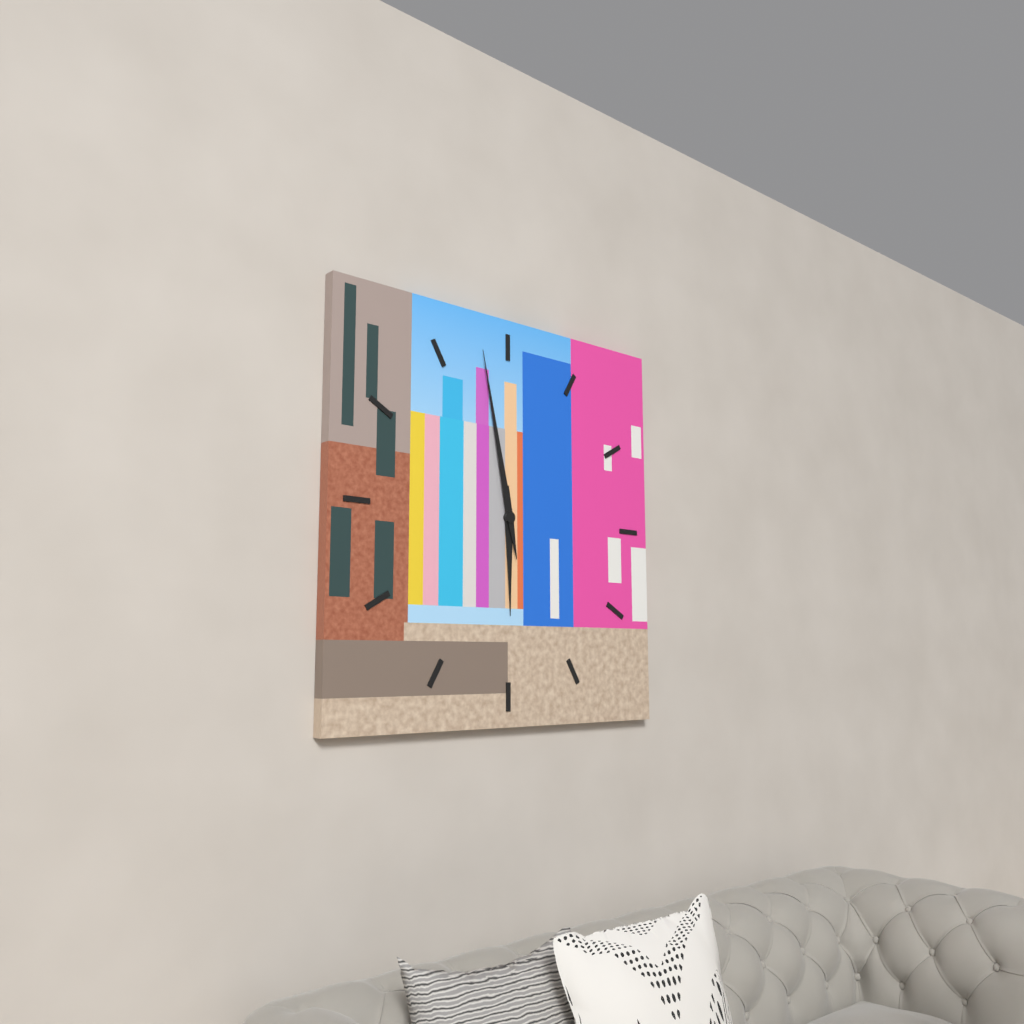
5.58
